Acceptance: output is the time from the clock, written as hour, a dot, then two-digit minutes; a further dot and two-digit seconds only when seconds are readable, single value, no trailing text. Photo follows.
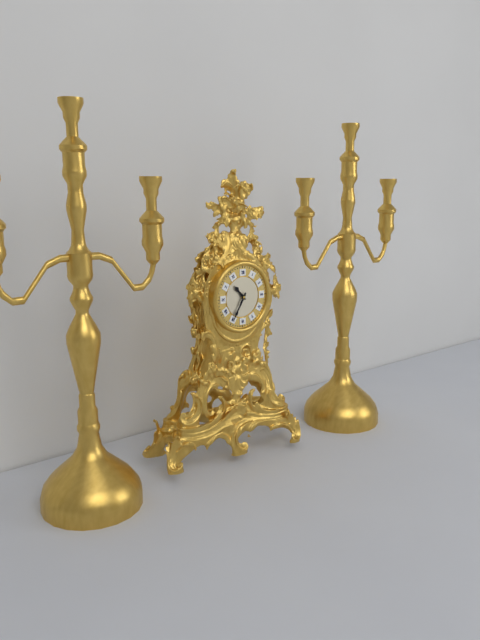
10.35
